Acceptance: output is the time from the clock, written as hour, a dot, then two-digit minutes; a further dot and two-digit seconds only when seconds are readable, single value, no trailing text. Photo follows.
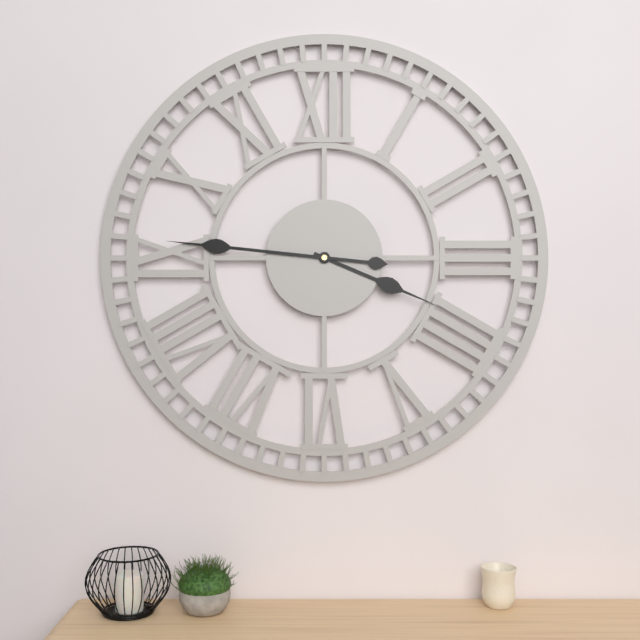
3.46
